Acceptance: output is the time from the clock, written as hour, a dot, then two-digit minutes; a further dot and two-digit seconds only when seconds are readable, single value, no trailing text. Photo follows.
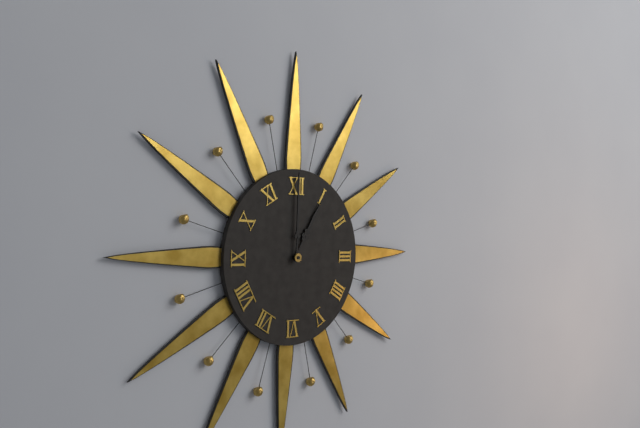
1.00
